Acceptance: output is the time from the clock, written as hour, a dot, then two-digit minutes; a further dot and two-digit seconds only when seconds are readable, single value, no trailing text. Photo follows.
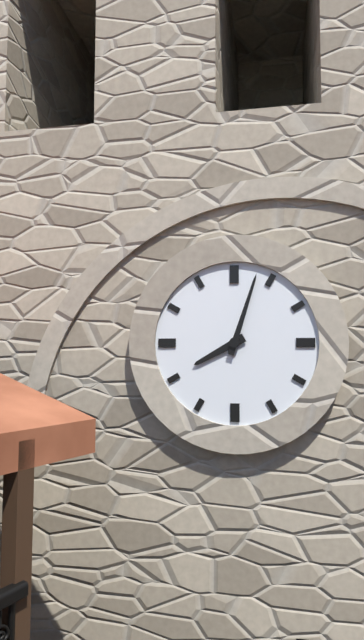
8.03
